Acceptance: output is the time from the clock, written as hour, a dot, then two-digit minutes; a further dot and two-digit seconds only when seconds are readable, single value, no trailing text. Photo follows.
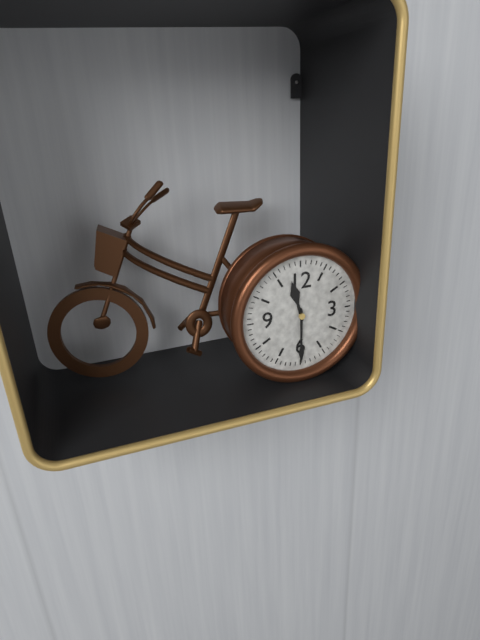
11.30
